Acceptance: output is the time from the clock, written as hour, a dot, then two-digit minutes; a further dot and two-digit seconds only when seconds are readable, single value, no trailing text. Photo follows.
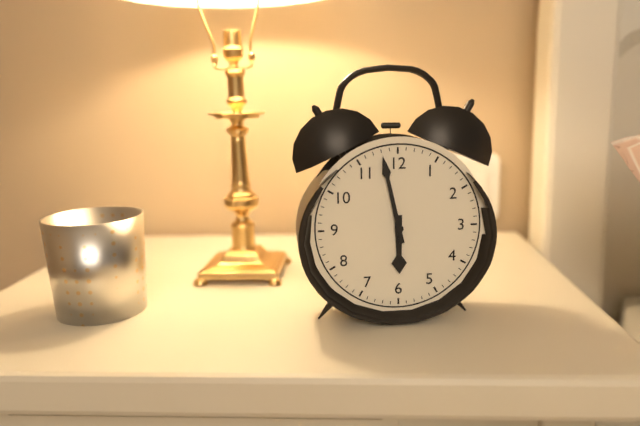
5.58
